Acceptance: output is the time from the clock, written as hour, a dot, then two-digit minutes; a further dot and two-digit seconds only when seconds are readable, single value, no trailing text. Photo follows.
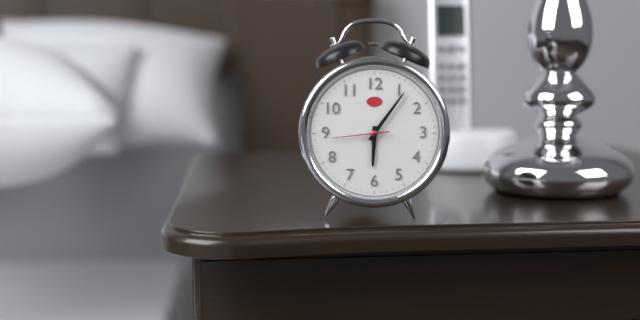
6.06.44
